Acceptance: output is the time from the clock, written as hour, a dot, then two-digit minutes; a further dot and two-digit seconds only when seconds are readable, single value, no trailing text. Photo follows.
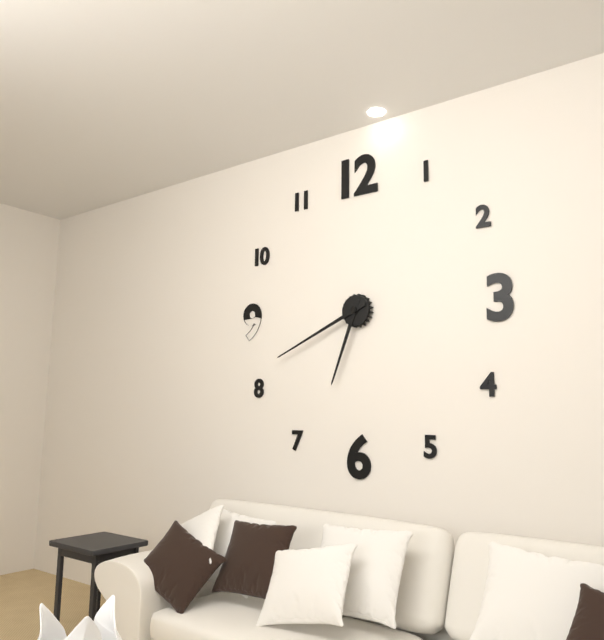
6.41
